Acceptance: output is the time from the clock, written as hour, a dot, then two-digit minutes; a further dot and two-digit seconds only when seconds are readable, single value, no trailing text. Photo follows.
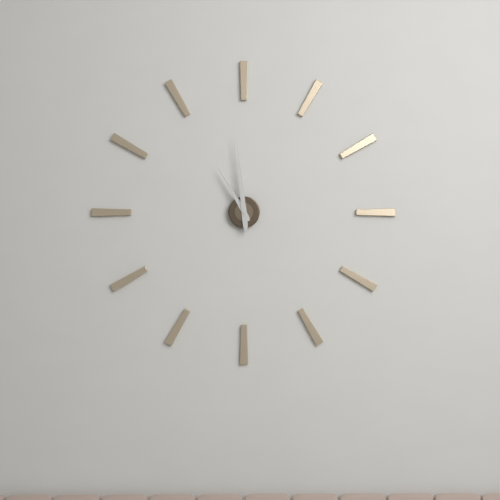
10.59
